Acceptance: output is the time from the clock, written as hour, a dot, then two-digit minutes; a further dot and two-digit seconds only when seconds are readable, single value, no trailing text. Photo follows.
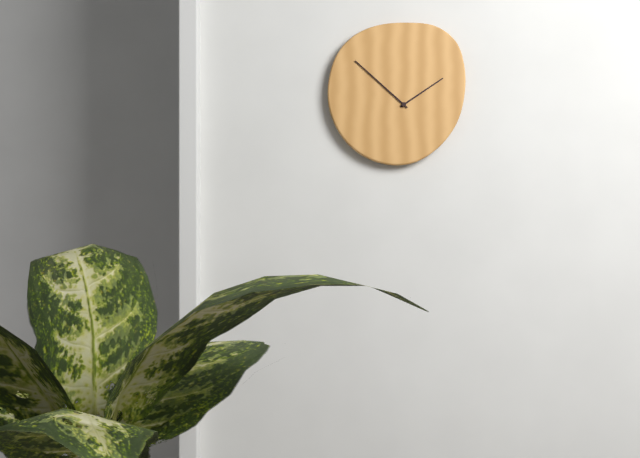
1.52
